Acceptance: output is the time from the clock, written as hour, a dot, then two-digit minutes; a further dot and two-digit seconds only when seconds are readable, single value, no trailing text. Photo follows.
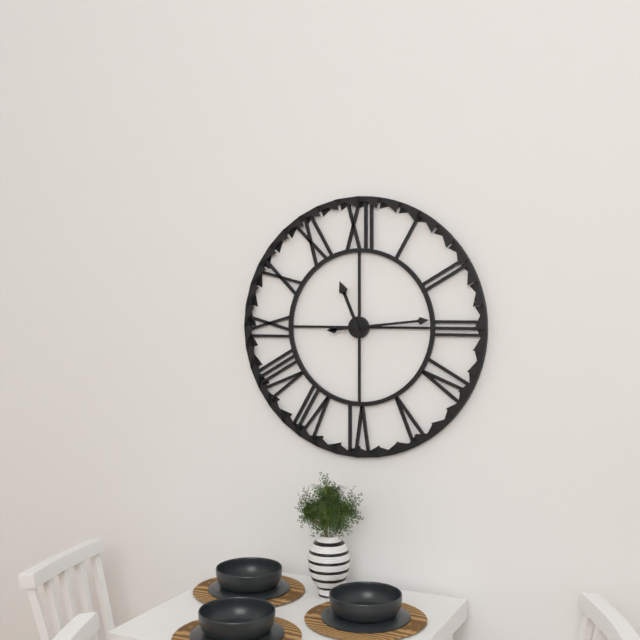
11.14
